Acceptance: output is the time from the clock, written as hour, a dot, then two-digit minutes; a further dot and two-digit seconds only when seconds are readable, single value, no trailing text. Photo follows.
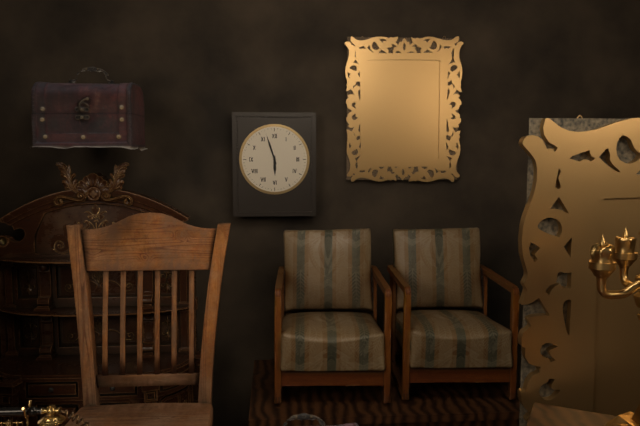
5.57
